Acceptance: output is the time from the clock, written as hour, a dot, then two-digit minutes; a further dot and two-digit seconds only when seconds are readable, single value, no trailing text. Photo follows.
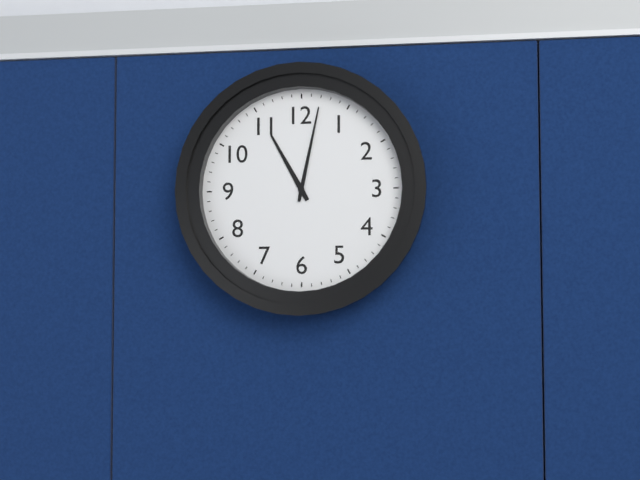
11.02
